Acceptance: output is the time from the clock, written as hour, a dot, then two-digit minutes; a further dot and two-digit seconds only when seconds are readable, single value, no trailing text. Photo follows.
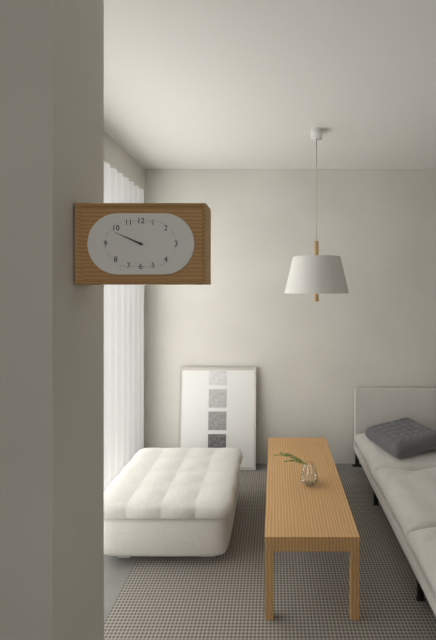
9.49
